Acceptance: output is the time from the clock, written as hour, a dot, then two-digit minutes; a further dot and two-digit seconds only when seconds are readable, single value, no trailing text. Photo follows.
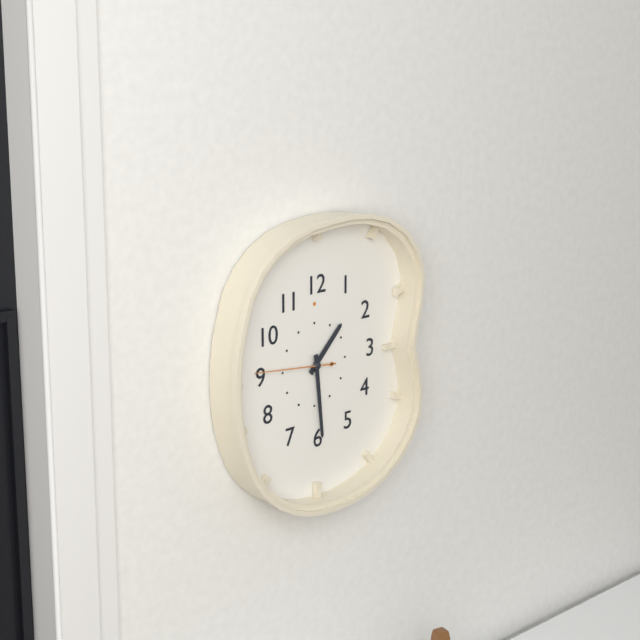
1.29.46
